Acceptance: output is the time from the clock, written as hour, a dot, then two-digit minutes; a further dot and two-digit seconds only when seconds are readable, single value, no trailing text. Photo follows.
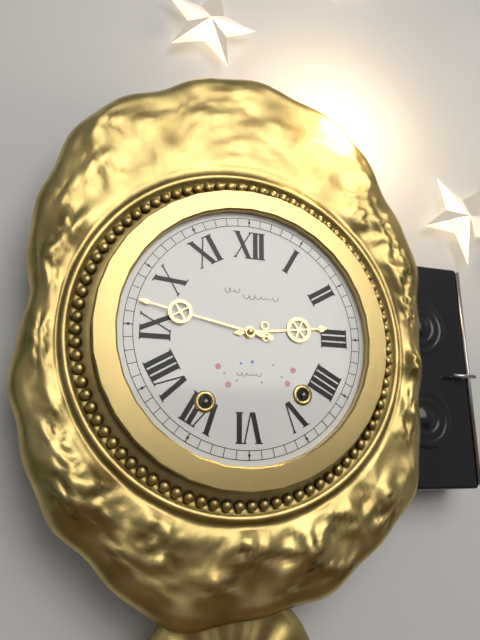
2.47
